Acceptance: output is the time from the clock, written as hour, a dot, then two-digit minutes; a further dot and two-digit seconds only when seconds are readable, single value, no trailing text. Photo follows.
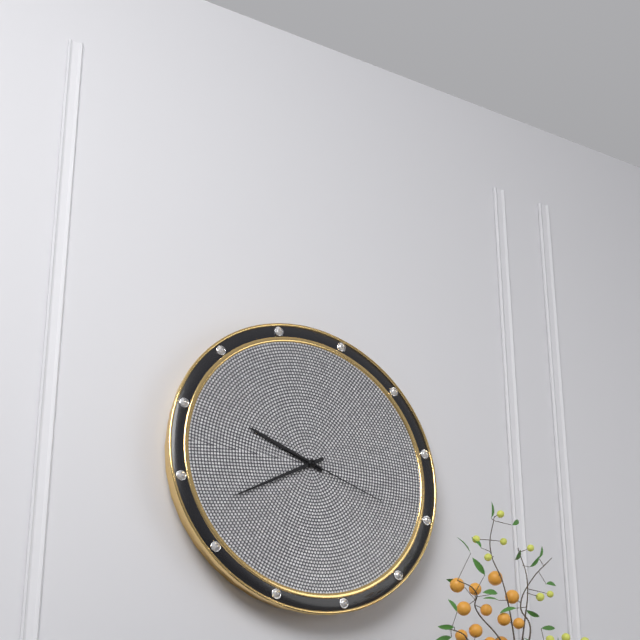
9.40.18
